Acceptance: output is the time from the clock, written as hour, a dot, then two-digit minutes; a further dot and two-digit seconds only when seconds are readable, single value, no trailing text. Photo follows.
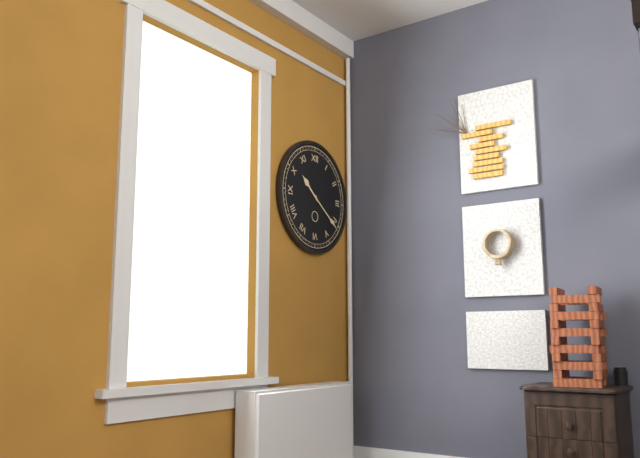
10.21
